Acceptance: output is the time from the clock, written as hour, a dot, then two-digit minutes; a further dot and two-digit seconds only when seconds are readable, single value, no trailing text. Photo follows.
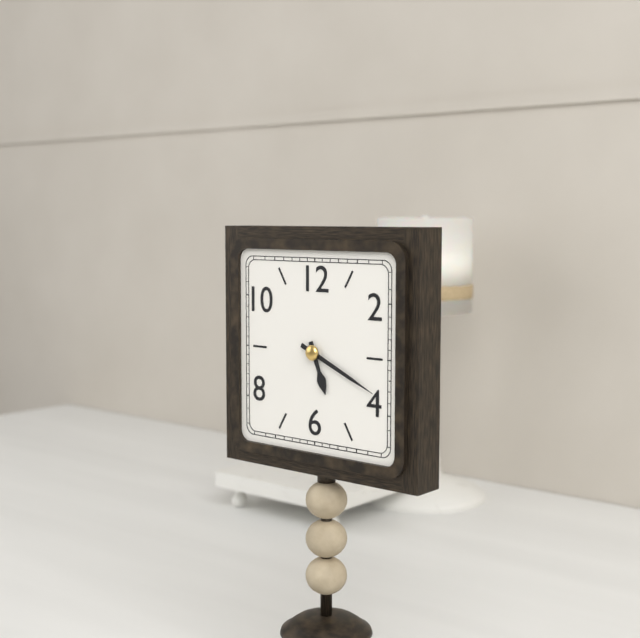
5.19
